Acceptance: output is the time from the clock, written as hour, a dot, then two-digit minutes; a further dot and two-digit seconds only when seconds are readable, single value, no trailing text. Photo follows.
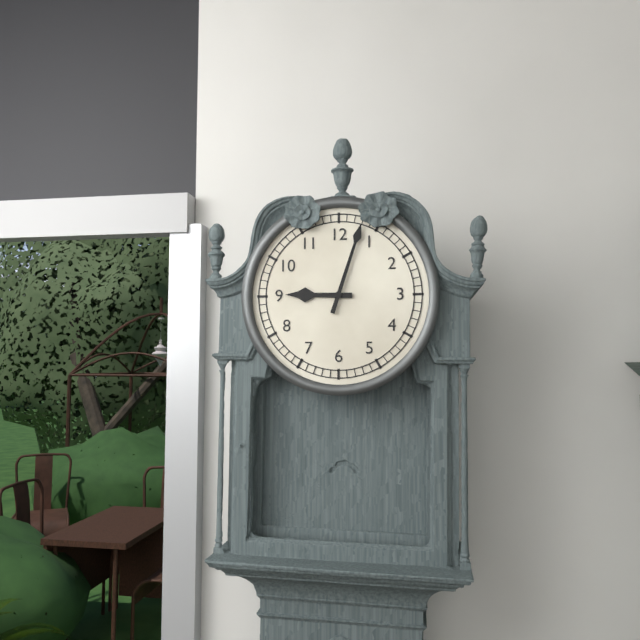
9.03
